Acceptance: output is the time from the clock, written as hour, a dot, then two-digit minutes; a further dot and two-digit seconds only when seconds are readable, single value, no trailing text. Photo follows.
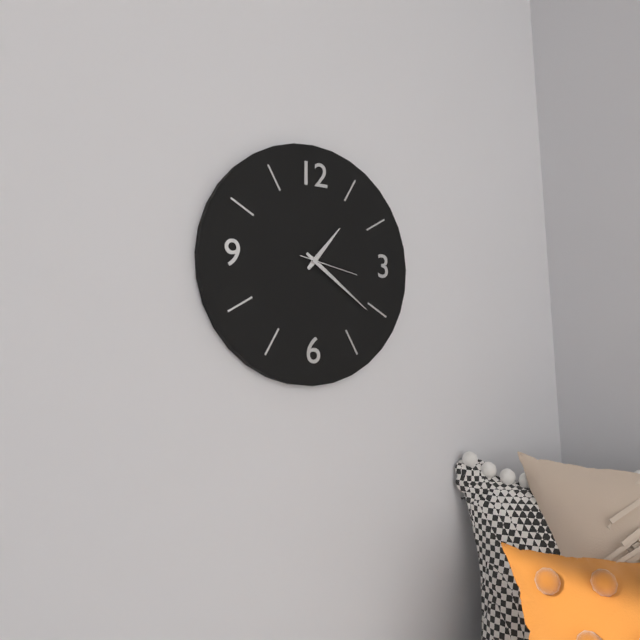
1.21.17
